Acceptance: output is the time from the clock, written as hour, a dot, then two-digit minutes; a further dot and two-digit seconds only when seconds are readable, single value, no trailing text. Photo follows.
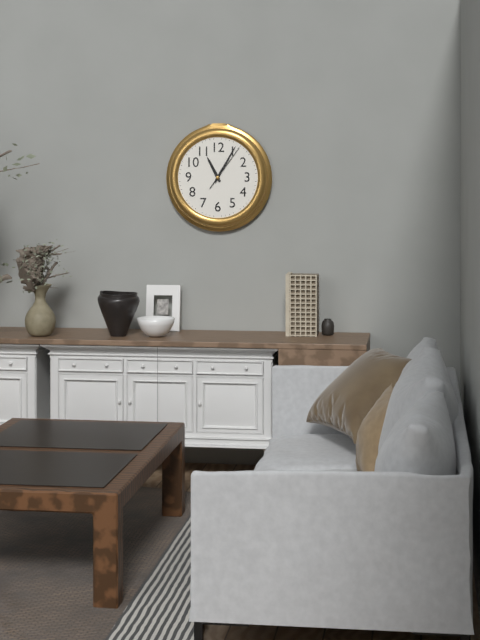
11.05
